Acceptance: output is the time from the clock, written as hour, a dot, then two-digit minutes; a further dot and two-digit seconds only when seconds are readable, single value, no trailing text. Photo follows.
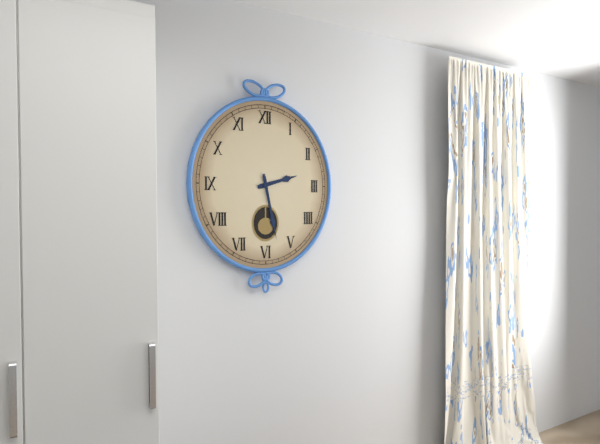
2.28
